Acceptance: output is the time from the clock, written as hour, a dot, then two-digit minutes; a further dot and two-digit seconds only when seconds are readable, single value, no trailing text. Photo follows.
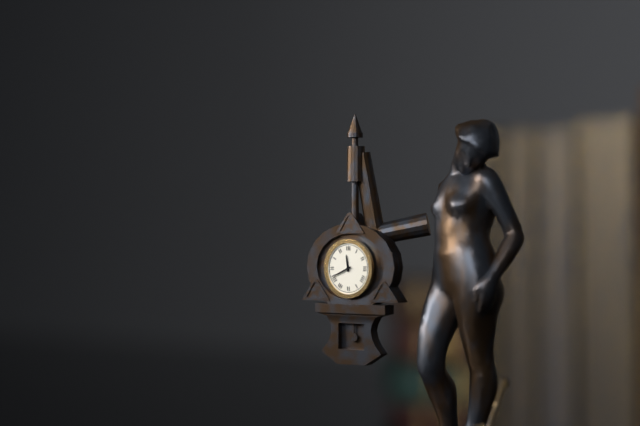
11.41
